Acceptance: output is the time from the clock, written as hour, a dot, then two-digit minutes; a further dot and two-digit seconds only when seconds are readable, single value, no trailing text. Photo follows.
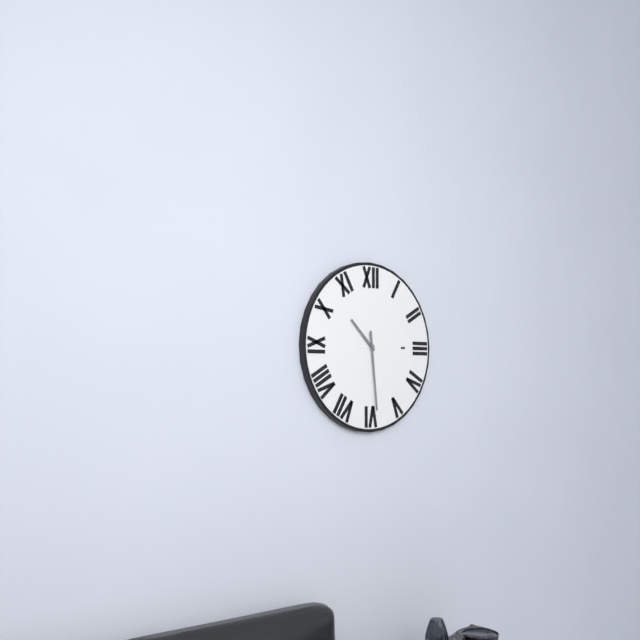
10.29
